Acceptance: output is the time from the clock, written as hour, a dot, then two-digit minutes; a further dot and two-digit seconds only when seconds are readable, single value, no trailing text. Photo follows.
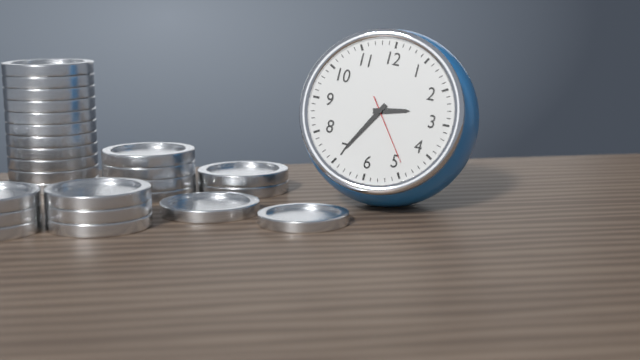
2.35.24
